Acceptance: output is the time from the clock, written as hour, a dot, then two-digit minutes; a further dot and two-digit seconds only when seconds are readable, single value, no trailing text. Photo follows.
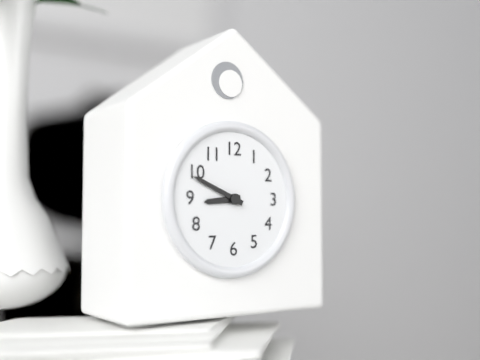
8.49
